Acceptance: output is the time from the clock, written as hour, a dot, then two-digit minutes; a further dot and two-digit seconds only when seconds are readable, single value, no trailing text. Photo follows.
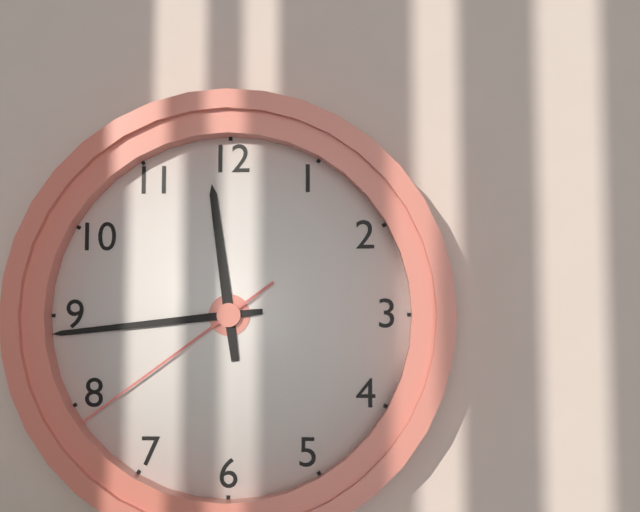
11.44.39
